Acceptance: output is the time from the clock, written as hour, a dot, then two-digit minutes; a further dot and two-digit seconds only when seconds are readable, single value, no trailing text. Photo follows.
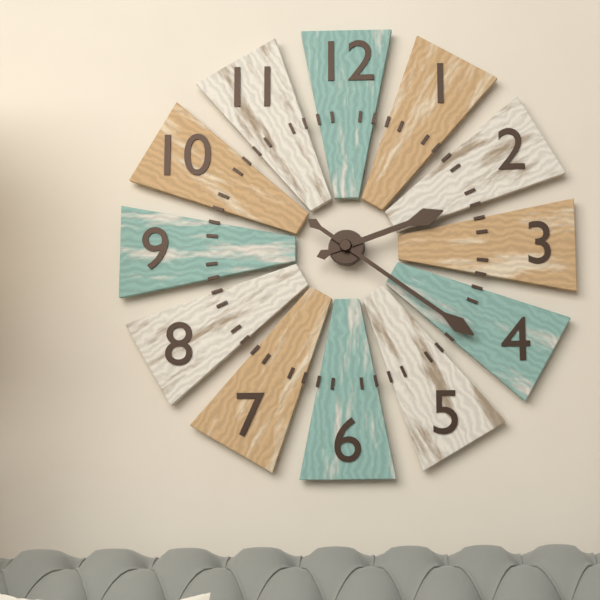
2.21
